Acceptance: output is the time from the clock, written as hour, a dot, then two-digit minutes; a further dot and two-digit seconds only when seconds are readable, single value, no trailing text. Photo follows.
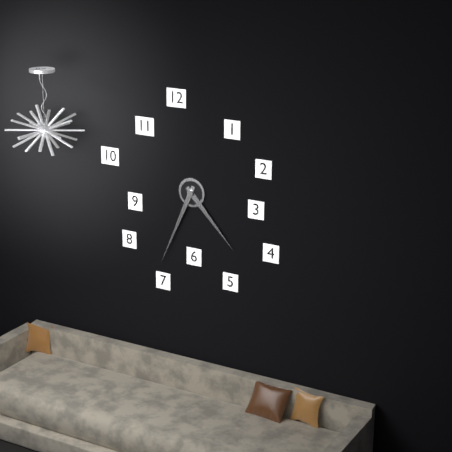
4.34
